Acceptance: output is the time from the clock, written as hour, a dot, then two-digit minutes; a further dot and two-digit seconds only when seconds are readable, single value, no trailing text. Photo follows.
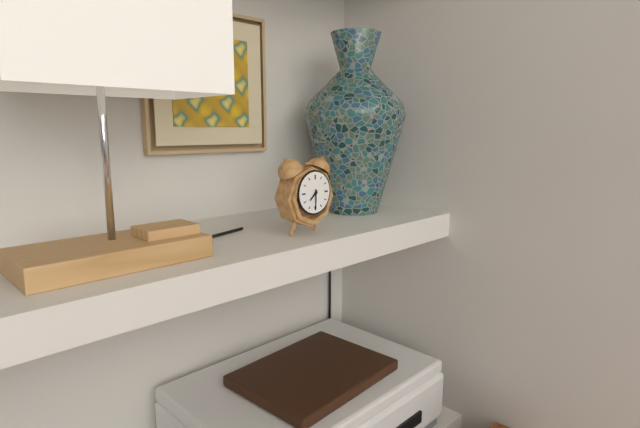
7.30
